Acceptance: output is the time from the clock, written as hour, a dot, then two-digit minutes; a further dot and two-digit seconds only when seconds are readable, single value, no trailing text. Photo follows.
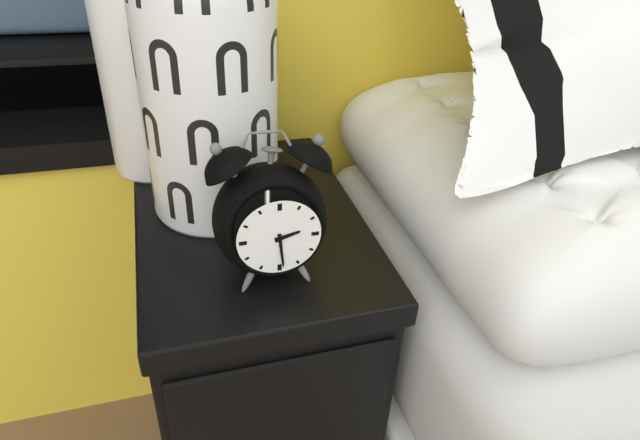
2.29
